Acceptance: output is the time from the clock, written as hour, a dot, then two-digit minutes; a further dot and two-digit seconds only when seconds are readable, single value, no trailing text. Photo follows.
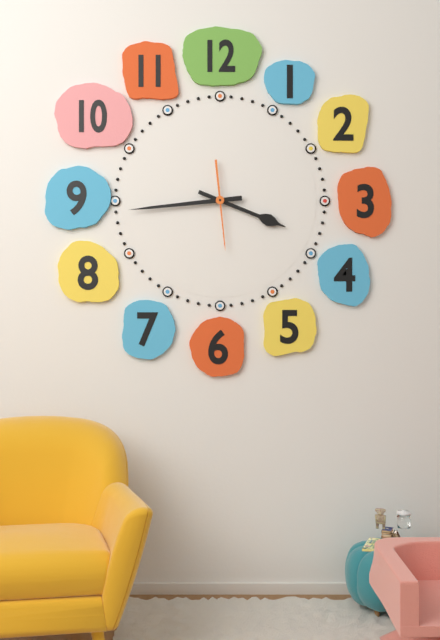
3.44.29
